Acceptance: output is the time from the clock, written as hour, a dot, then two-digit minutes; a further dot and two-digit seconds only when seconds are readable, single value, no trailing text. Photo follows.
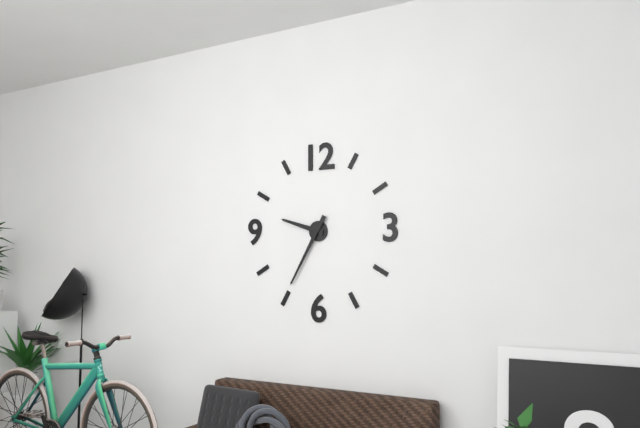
9.35
